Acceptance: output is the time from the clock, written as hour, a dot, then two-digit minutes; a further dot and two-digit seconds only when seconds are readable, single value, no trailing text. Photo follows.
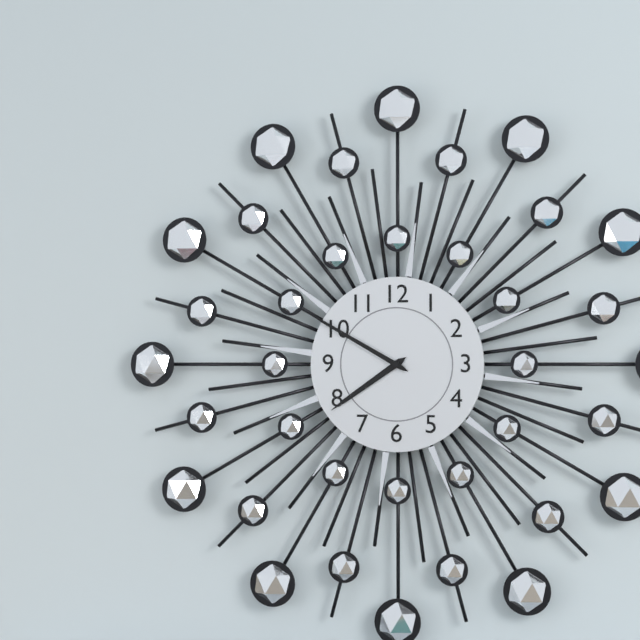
7.50
